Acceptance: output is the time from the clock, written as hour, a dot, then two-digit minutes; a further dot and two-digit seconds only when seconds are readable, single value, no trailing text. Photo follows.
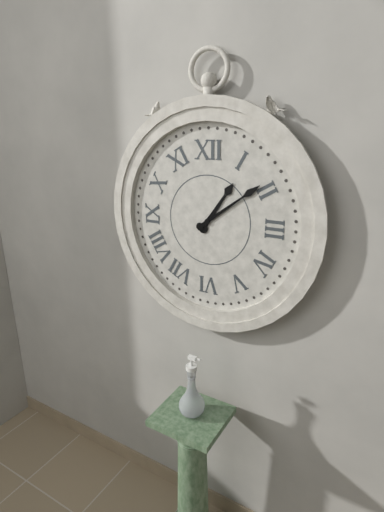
1.09
